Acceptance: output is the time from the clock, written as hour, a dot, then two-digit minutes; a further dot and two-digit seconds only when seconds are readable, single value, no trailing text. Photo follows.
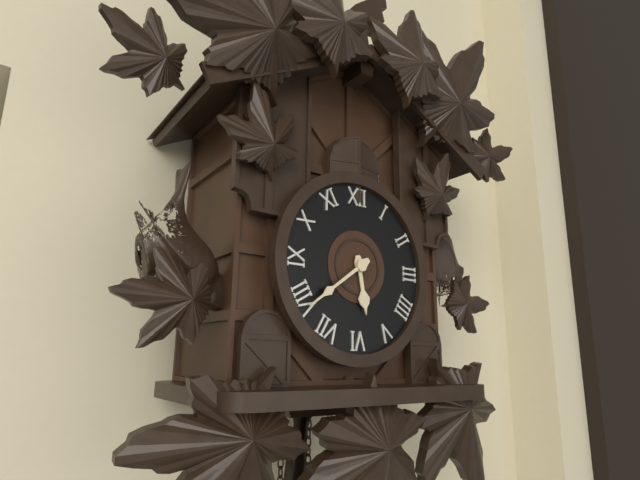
5.39
